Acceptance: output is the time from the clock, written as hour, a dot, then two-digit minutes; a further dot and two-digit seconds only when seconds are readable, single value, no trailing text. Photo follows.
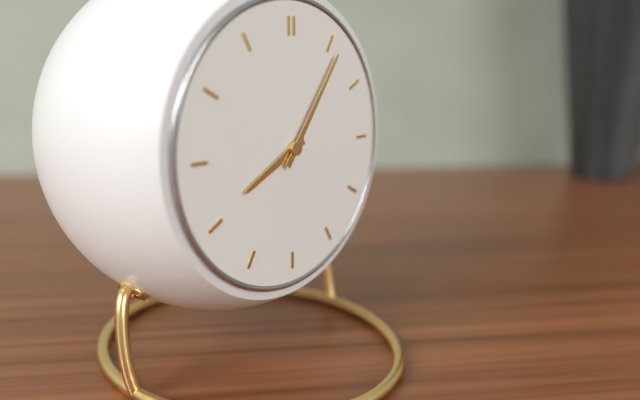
8.06
